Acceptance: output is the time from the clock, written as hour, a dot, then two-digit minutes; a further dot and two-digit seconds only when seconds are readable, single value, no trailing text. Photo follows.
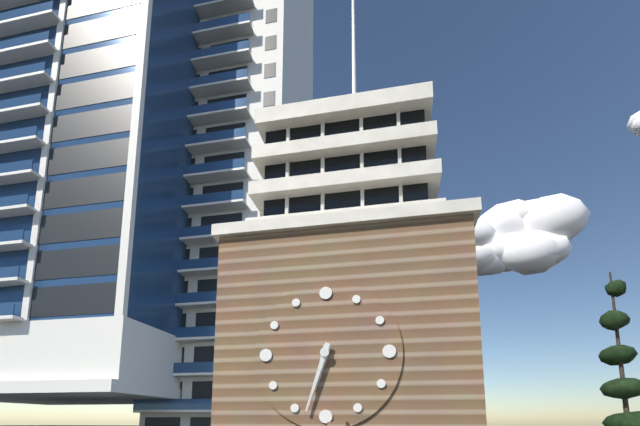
6.33
